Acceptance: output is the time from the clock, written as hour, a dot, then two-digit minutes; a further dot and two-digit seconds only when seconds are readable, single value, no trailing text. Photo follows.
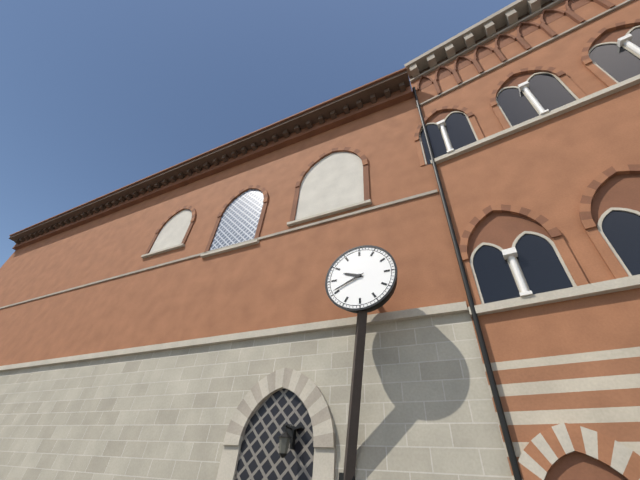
9.41
